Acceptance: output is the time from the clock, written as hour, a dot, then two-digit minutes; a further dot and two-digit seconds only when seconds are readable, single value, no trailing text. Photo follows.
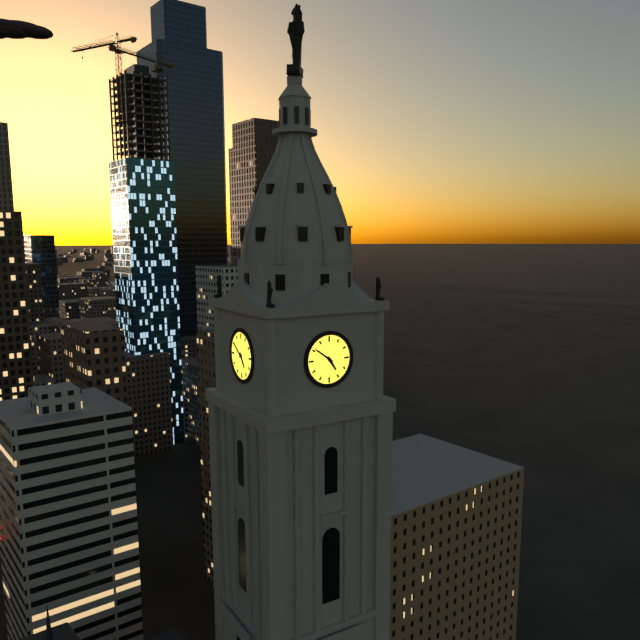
4.51
